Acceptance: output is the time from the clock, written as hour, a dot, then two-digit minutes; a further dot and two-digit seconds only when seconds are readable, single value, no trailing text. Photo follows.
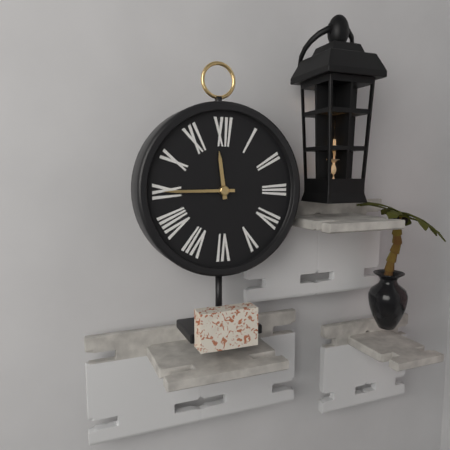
11.45
